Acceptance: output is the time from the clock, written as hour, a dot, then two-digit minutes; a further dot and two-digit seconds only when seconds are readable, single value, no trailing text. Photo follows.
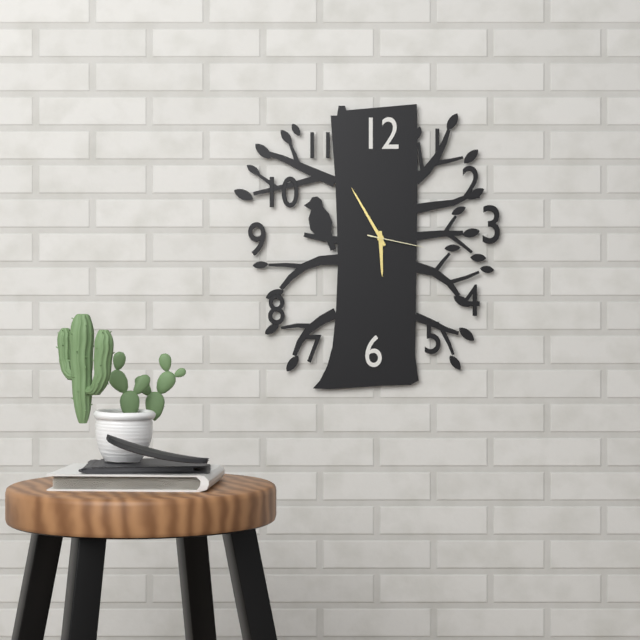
5.55.17
